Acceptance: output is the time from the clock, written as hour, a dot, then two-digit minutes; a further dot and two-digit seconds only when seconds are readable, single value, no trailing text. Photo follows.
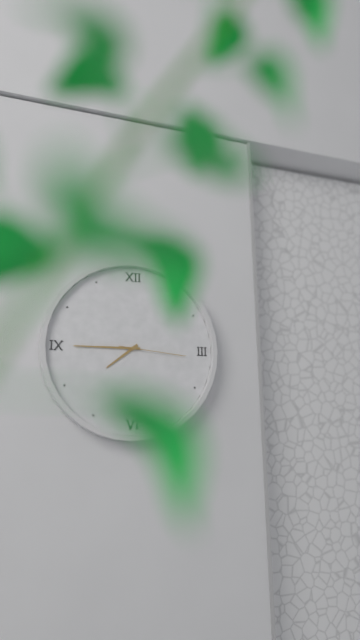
7.45.16
